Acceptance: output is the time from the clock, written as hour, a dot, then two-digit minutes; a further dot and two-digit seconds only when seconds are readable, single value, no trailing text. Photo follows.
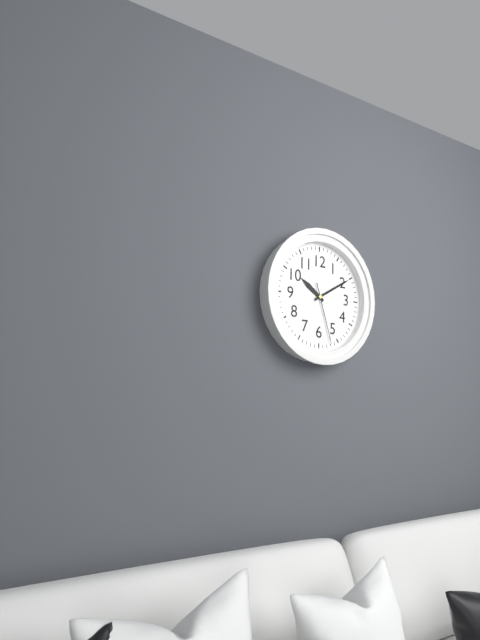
10.10.27
